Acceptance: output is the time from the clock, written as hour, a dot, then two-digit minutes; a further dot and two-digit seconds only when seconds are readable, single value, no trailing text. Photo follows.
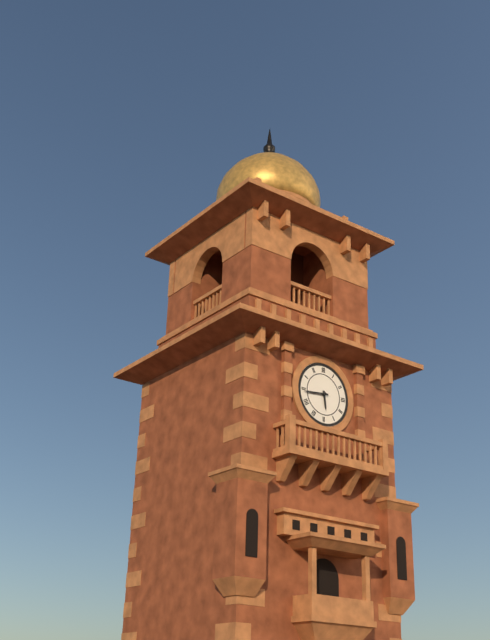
5.44
